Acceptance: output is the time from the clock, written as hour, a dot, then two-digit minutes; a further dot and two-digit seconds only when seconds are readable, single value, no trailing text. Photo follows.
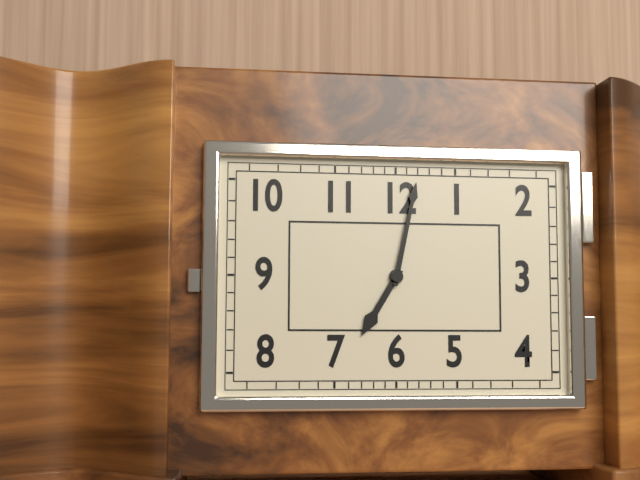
7.02
